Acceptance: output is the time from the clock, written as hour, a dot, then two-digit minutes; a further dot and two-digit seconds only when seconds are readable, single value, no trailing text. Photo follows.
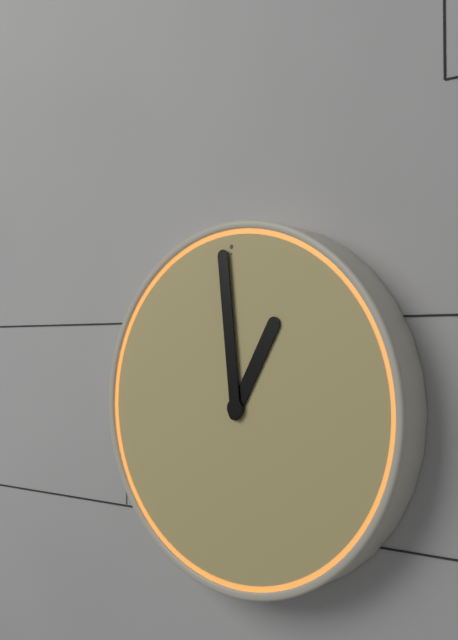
12.59
